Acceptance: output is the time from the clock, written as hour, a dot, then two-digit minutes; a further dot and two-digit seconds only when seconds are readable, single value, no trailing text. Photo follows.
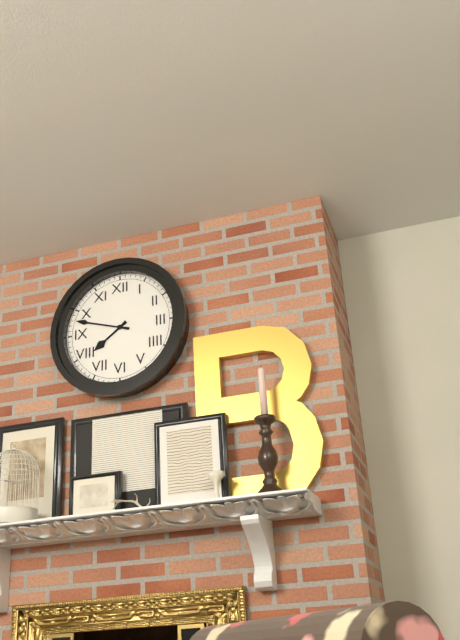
7.48
